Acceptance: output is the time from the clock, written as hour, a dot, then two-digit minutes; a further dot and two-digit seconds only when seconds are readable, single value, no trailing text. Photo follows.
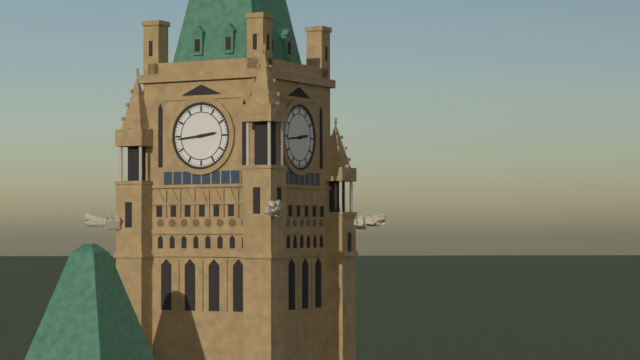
2.44
